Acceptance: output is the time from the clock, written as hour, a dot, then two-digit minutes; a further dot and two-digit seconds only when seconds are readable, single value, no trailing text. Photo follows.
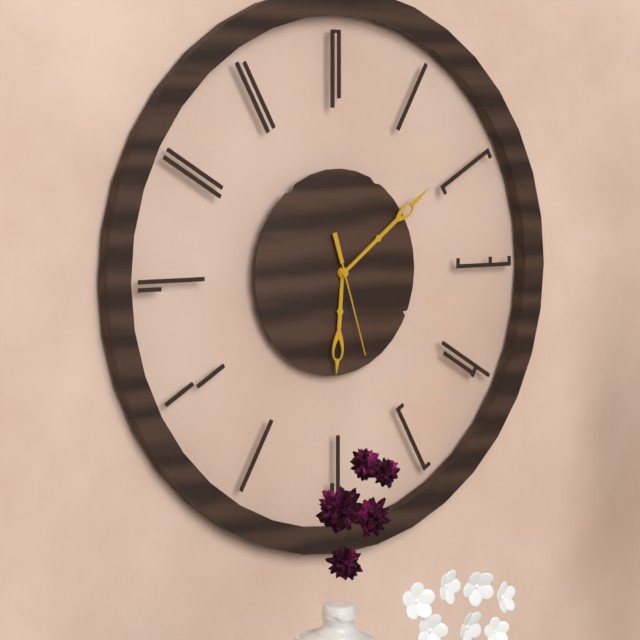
6.09.27
